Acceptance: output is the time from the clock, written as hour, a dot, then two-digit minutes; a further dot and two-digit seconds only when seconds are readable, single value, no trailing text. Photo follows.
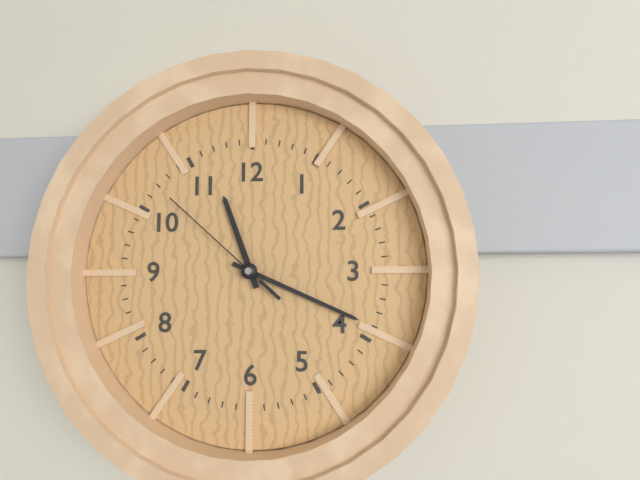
11.19.52
